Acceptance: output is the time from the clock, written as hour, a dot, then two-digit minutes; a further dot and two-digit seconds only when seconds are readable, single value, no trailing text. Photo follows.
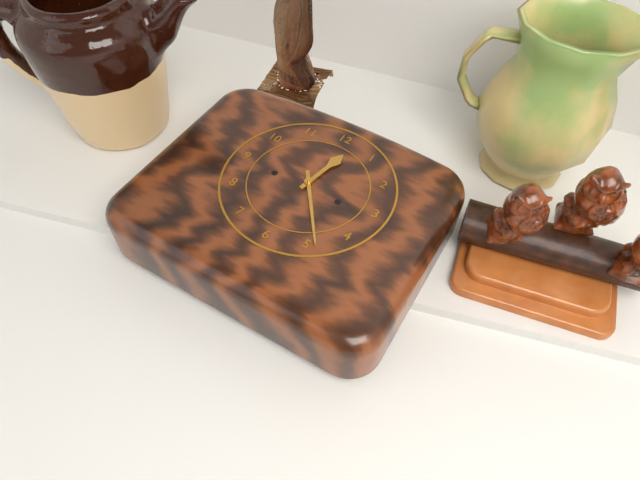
12.24
